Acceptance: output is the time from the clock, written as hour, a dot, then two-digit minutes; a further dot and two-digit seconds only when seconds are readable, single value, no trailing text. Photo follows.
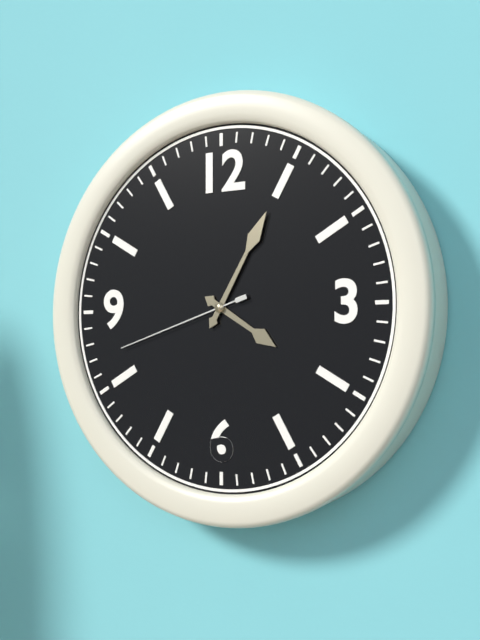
4.05.42
